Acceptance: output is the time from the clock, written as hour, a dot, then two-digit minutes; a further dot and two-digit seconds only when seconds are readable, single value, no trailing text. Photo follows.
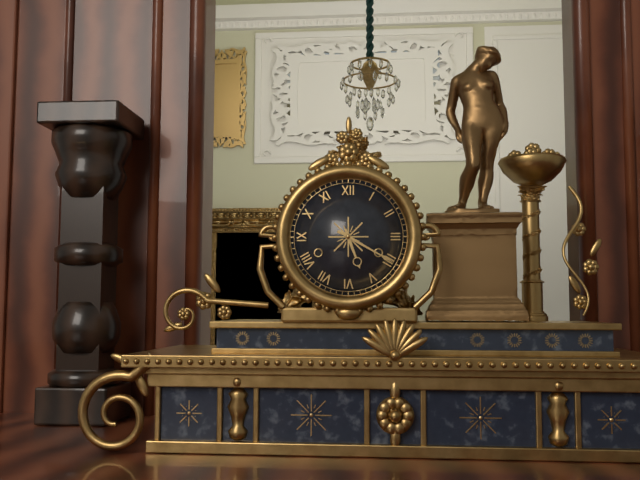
5.20
